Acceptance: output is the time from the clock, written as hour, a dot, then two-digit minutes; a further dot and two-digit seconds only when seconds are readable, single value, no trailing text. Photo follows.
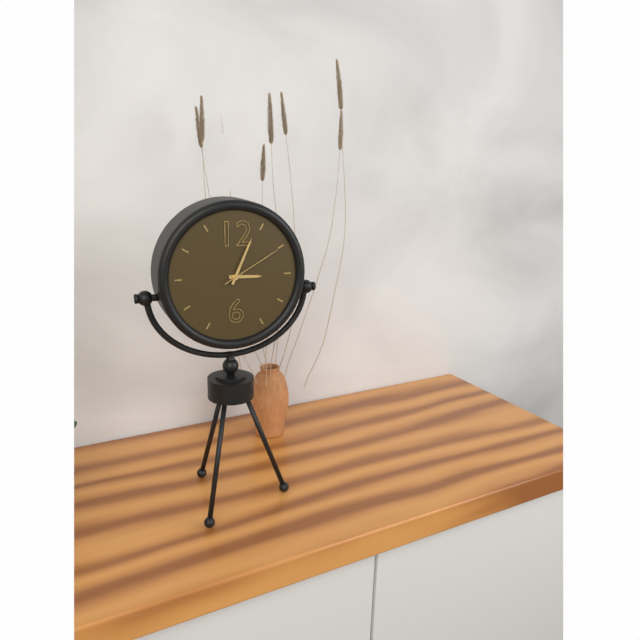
3.04.10
